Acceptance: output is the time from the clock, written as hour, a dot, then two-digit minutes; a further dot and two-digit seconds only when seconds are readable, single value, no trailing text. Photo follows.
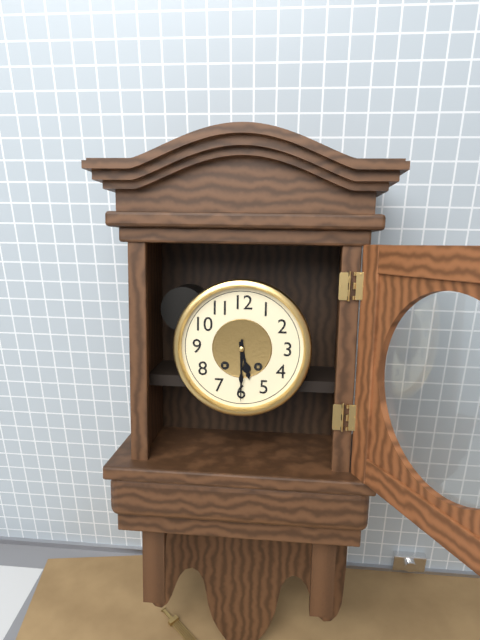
5.30
